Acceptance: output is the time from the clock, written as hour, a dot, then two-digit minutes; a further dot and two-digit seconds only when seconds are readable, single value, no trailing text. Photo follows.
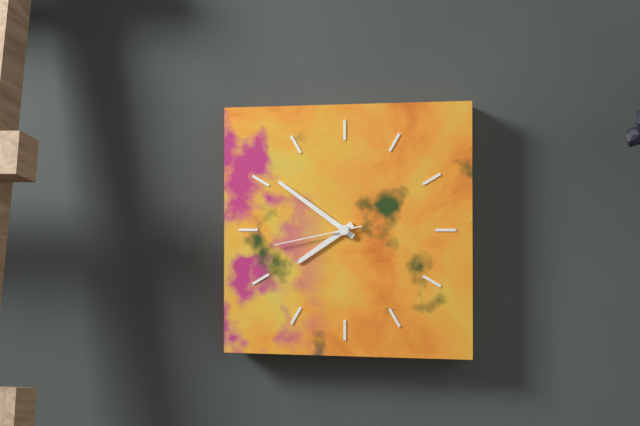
7.51.43
